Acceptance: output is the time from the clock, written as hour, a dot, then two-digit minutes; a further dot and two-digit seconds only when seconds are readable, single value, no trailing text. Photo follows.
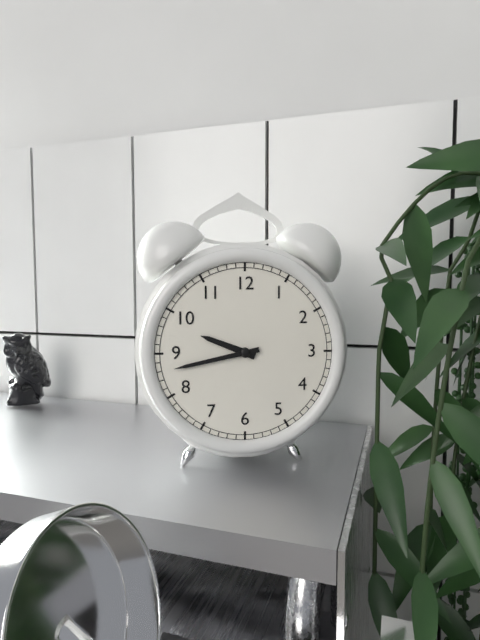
9.43
